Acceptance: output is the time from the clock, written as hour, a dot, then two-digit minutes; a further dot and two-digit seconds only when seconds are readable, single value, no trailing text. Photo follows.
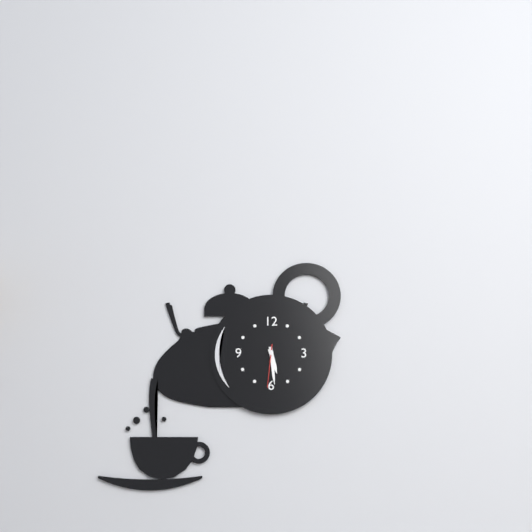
5.29
